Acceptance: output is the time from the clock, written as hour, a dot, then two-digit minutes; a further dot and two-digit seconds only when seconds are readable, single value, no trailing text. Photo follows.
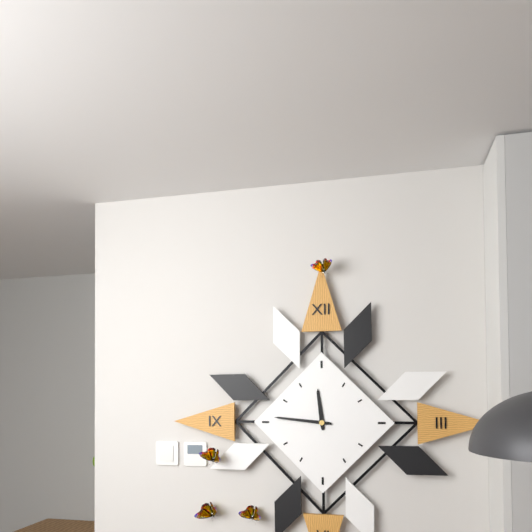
11.46
